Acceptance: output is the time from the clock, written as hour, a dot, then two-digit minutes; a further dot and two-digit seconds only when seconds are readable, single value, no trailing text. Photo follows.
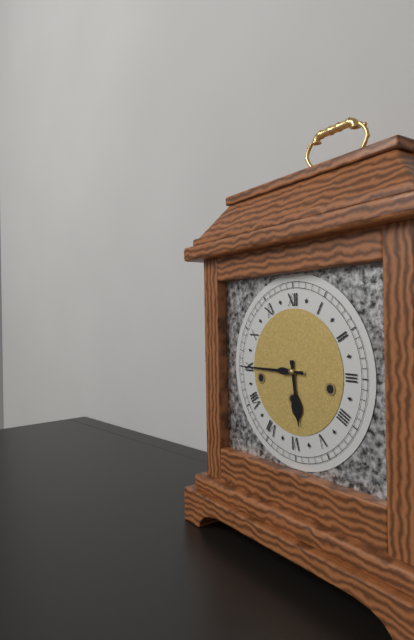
5.45
